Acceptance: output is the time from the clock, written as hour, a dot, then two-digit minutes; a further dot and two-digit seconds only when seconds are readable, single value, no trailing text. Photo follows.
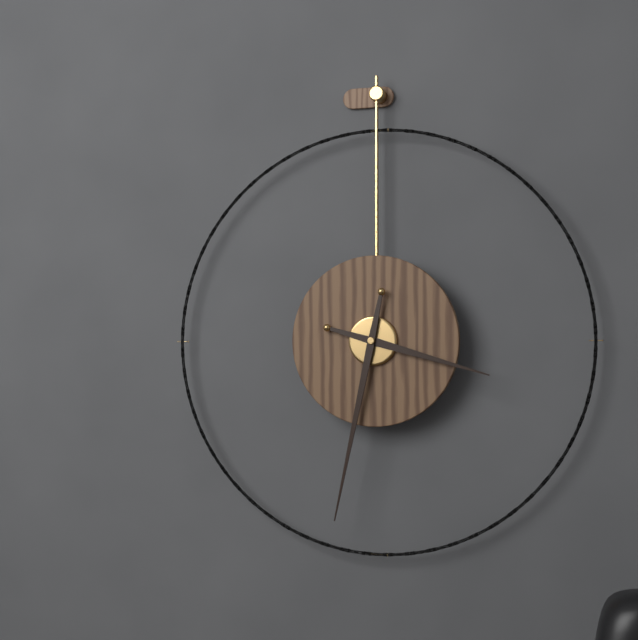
3.32
